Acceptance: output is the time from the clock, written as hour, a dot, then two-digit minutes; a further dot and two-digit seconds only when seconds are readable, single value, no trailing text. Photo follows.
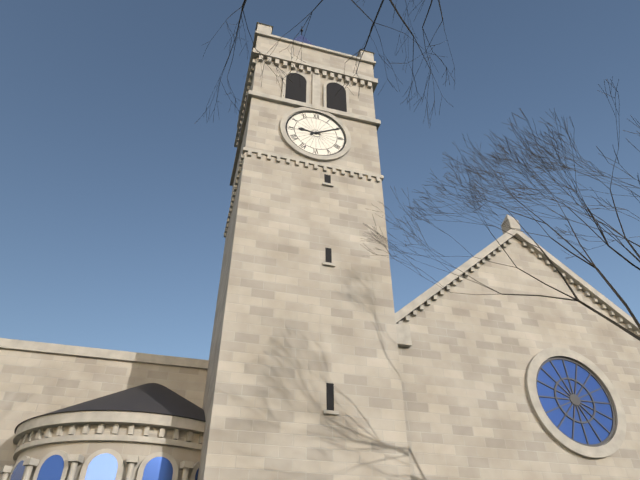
9.10
